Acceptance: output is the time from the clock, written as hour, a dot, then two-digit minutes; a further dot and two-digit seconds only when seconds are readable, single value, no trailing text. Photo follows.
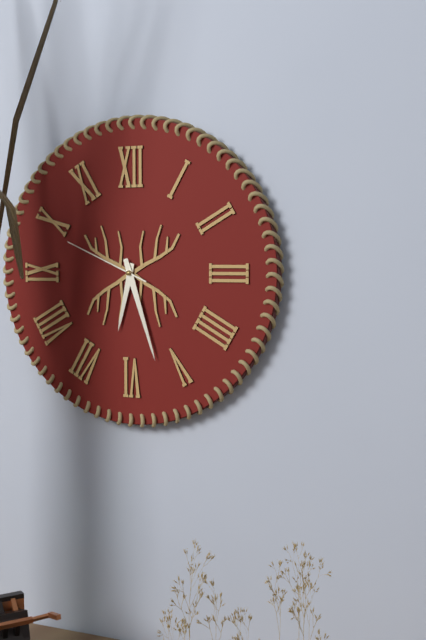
6.27.49
